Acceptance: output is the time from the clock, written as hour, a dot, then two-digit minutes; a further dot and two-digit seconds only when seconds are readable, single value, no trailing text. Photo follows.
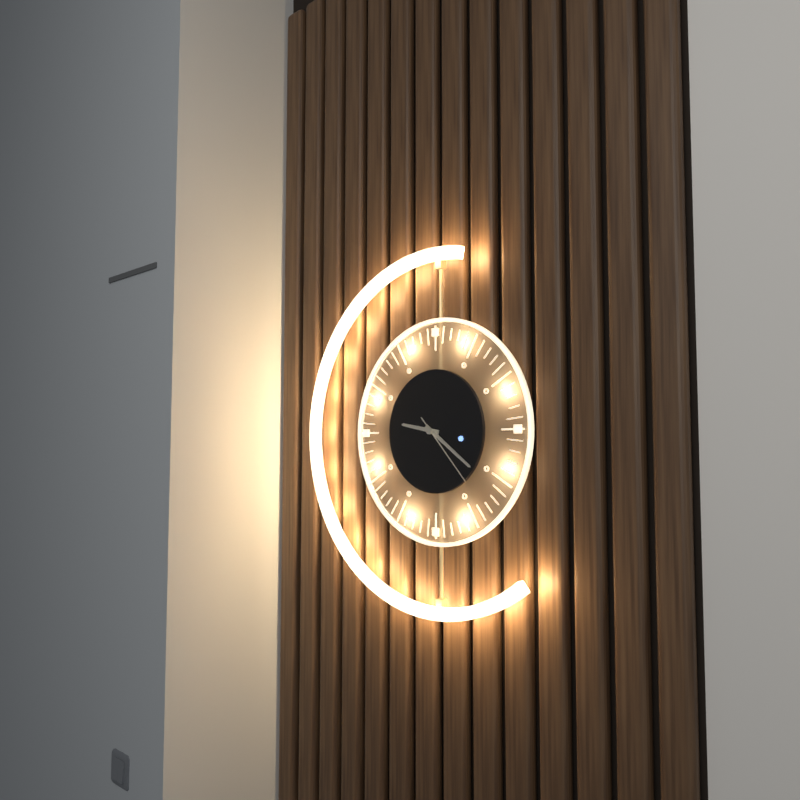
9.21.23
